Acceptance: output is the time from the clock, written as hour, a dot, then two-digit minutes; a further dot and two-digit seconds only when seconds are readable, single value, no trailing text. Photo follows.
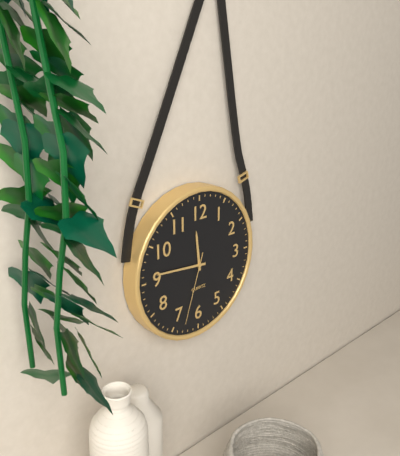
11.46.33
